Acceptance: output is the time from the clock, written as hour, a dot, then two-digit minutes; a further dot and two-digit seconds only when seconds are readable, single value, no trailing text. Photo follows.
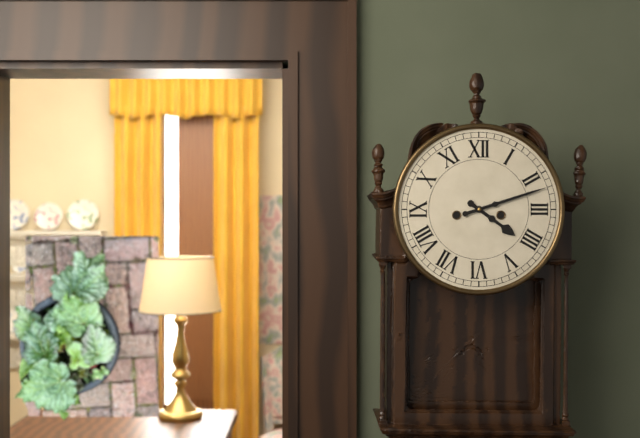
4.12
